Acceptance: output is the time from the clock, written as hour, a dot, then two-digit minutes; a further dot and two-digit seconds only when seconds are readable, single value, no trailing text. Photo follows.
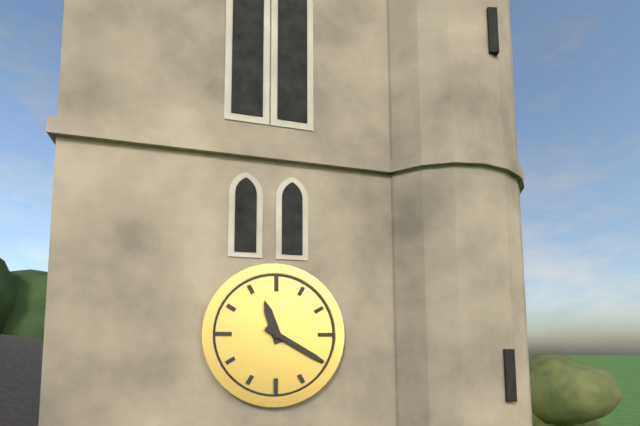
11.20
